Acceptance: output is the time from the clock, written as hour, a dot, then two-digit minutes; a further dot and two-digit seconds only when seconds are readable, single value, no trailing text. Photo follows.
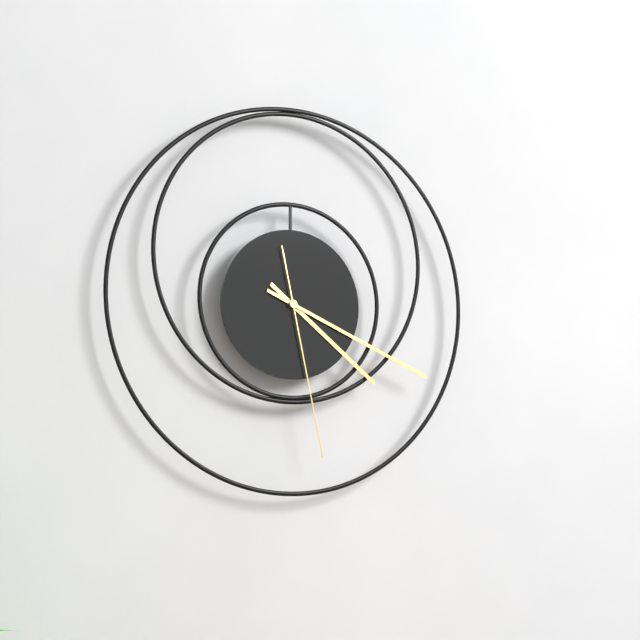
4.19.28
